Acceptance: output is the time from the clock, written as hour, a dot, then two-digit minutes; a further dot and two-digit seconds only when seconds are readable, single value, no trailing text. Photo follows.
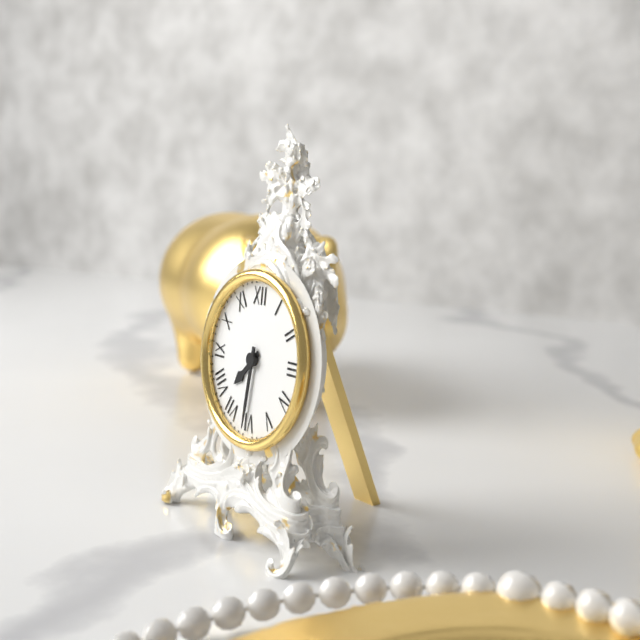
7.31
